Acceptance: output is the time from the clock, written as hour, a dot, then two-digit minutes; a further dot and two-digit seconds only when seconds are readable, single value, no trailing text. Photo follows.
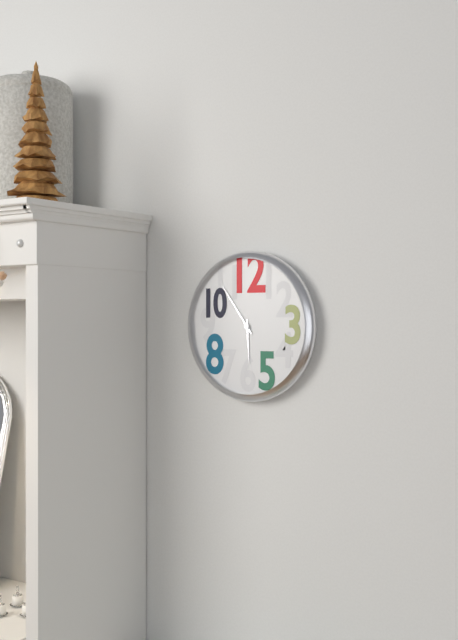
5.54
